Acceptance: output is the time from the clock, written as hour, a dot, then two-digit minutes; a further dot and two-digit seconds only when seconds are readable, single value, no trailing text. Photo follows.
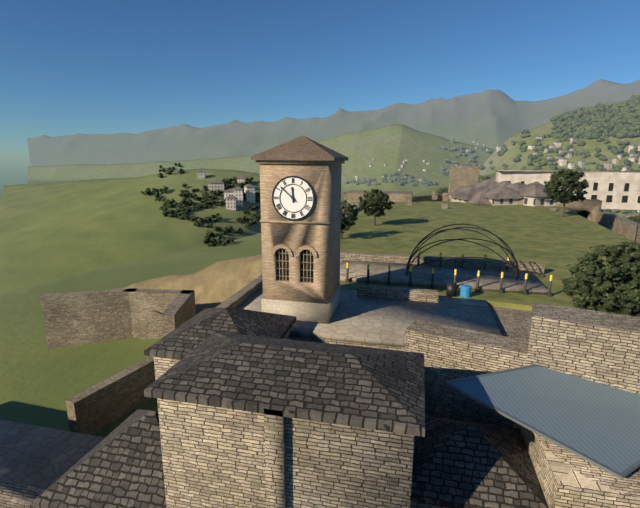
11.52
